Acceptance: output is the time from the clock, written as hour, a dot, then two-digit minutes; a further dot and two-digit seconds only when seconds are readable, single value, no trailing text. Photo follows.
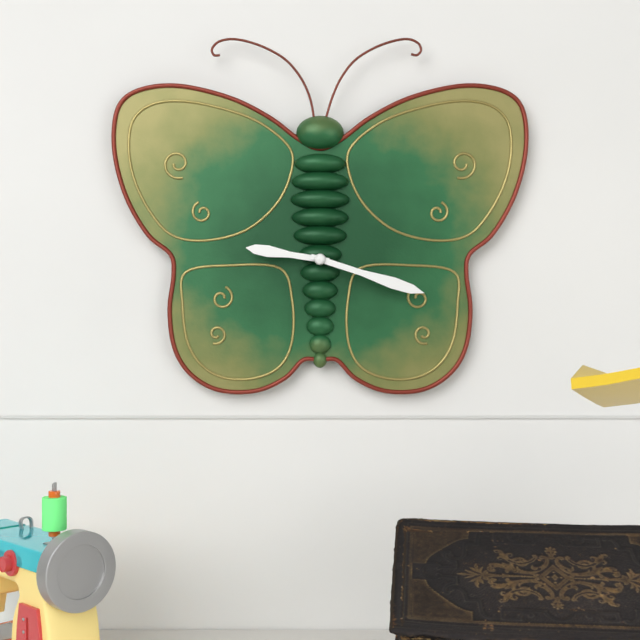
9.18
